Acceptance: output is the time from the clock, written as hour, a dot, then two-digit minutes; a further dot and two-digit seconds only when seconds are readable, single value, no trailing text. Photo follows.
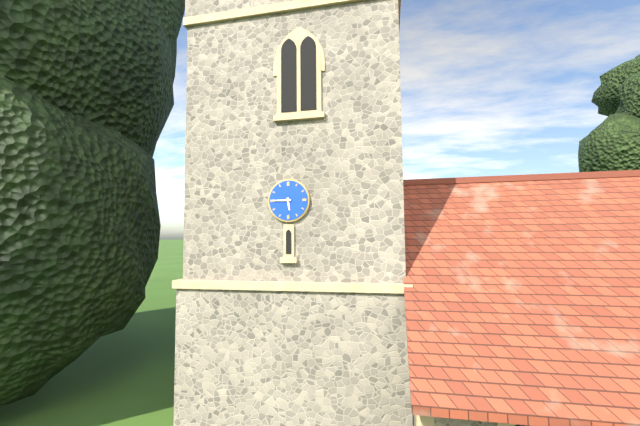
5.45
